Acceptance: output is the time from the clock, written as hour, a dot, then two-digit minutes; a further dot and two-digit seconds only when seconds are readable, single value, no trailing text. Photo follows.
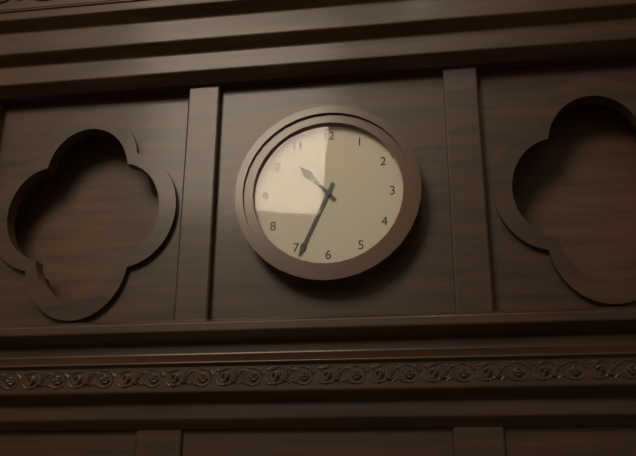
10.34
